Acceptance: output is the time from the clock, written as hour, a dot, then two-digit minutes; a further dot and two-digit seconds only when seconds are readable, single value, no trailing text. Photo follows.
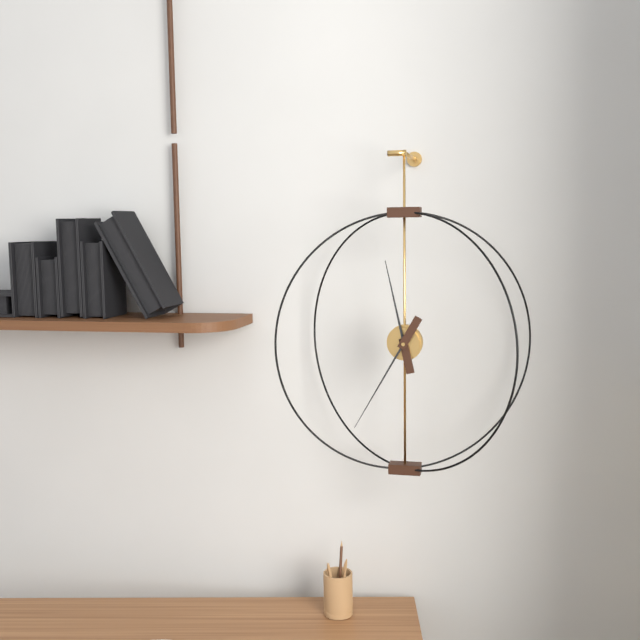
11.35
